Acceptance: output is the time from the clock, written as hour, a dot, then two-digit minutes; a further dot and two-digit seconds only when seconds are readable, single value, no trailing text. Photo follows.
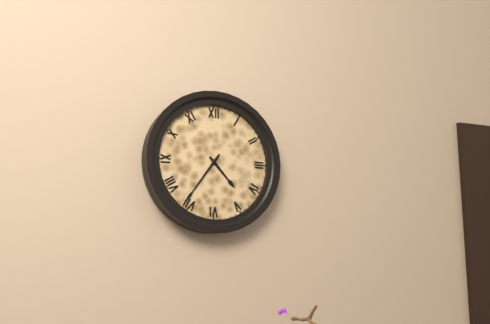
4.36
